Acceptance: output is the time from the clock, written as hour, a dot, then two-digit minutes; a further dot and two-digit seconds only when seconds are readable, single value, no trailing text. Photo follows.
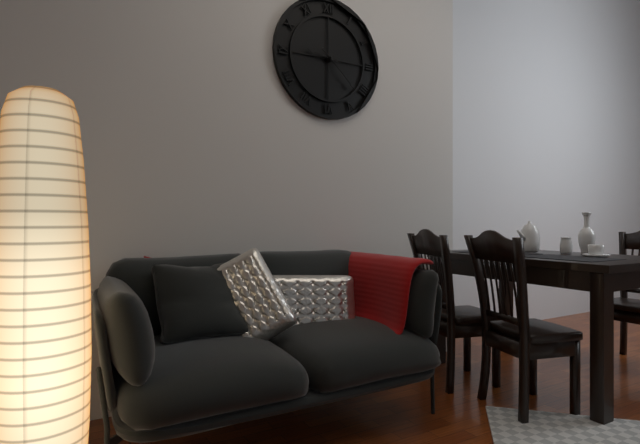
9.22
